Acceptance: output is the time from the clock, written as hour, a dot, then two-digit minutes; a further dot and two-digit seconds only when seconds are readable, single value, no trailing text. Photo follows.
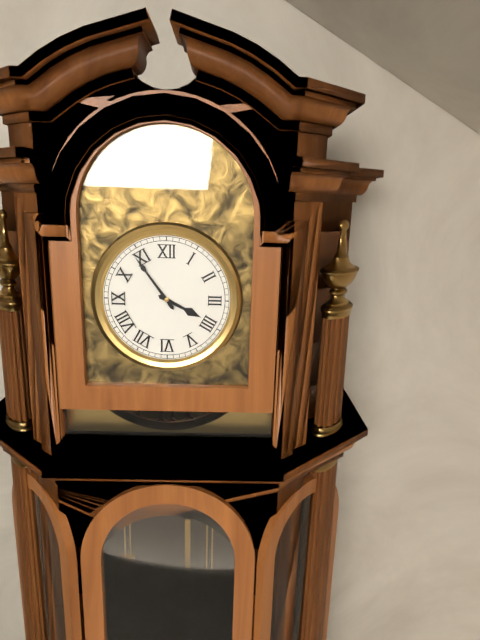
3.54
